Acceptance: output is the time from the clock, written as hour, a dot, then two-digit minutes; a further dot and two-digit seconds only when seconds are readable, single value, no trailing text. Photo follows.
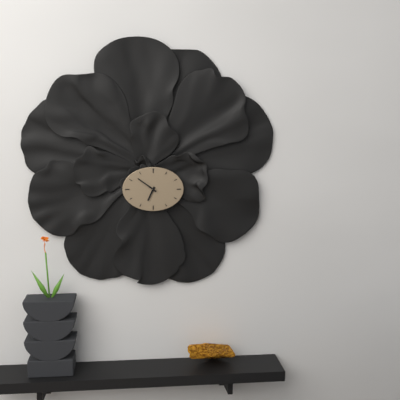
6.51
